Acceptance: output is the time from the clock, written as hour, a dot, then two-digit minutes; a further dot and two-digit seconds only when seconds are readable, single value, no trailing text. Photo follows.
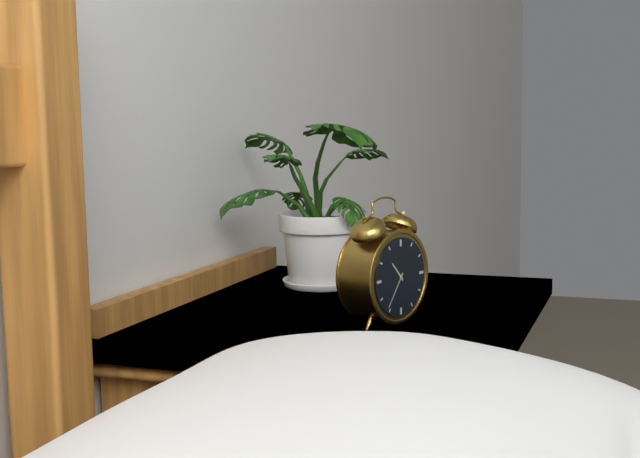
10.36
